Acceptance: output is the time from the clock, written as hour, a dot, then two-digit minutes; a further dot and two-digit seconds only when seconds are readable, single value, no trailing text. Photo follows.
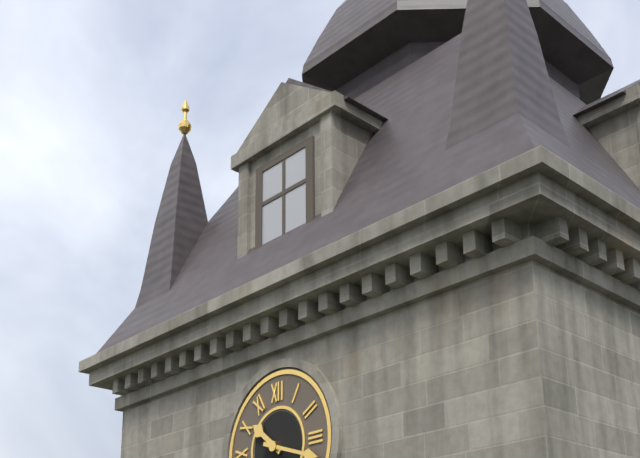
10.18
